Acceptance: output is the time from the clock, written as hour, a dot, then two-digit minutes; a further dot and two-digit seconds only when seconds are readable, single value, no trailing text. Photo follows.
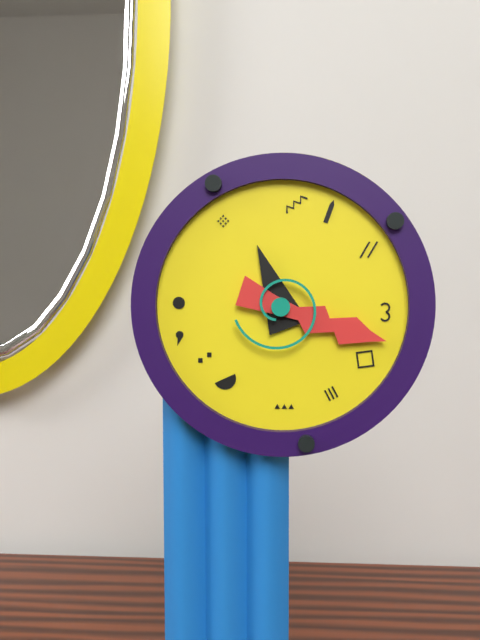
11.18
